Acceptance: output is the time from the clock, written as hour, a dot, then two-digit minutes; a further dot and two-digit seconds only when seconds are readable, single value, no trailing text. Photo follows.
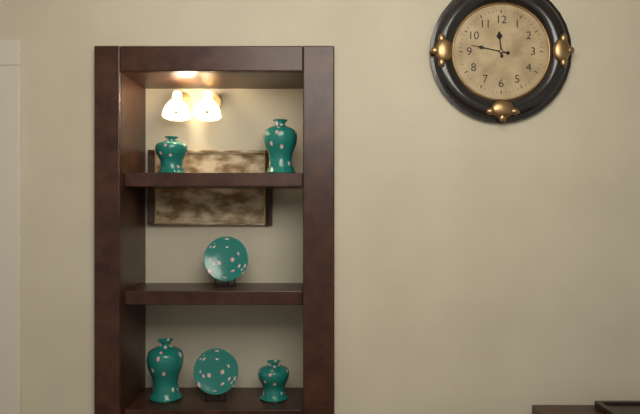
11.47
